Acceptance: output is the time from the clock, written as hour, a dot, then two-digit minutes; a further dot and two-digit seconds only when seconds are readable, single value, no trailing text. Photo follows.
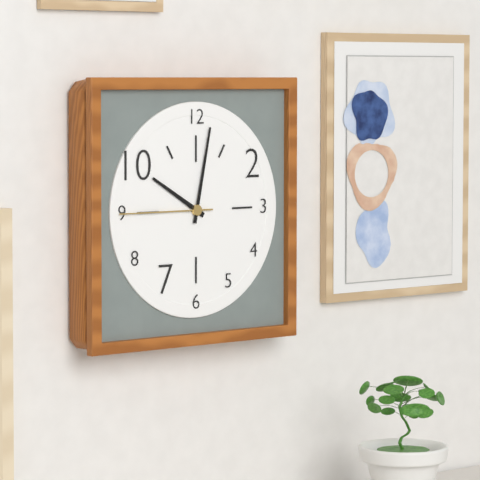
10.02.45
